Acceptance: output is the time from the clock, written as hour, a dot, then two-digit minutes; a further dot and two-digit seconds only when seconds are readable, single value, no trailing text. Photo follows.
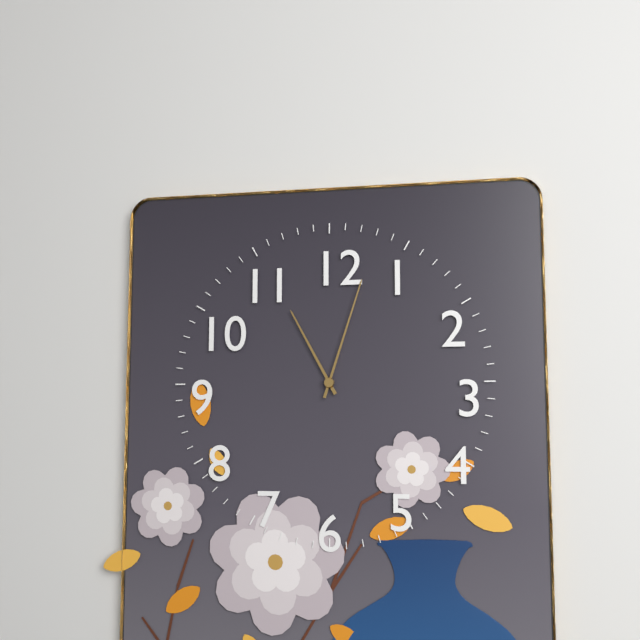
11.03
